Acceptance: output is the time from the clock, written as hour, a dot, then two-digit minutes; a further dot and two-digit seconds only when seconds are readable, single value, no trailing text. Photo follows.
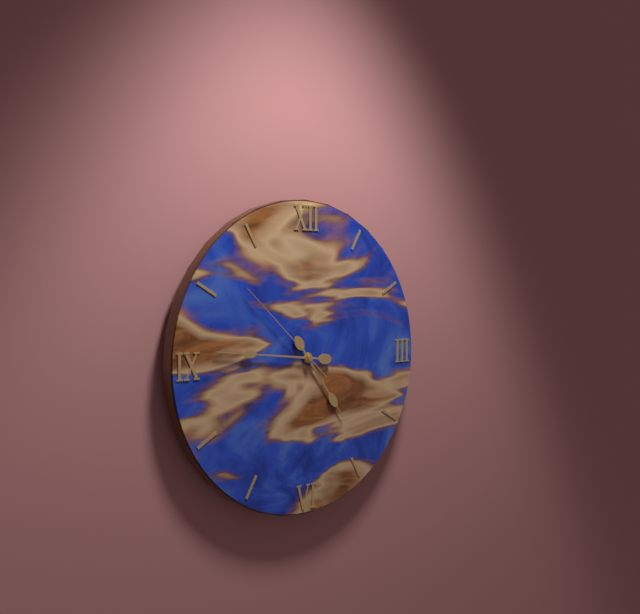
4.46.52
